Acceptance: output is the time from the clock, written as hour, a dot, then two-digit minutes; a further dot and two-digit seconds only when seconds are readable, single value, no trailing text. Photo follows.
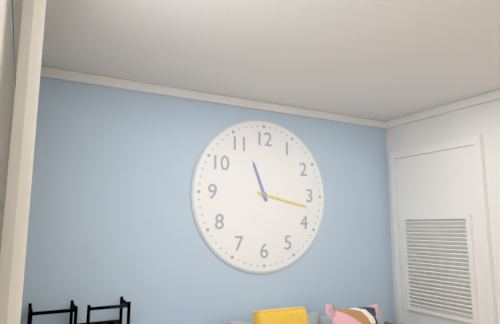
11.17
